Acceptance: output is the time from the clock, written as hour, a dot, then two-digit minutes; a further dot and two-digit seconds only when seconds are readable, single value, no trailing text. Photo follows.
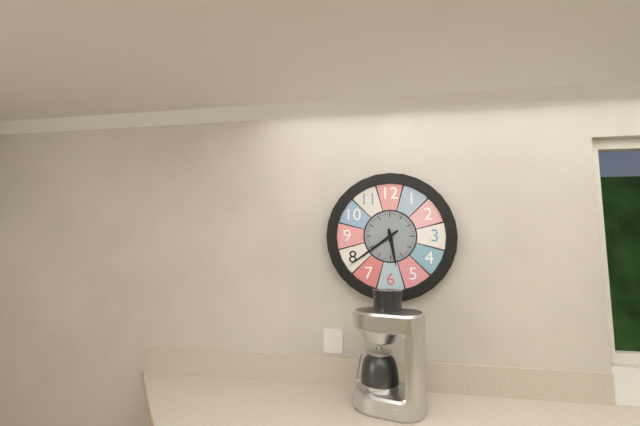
5.39
